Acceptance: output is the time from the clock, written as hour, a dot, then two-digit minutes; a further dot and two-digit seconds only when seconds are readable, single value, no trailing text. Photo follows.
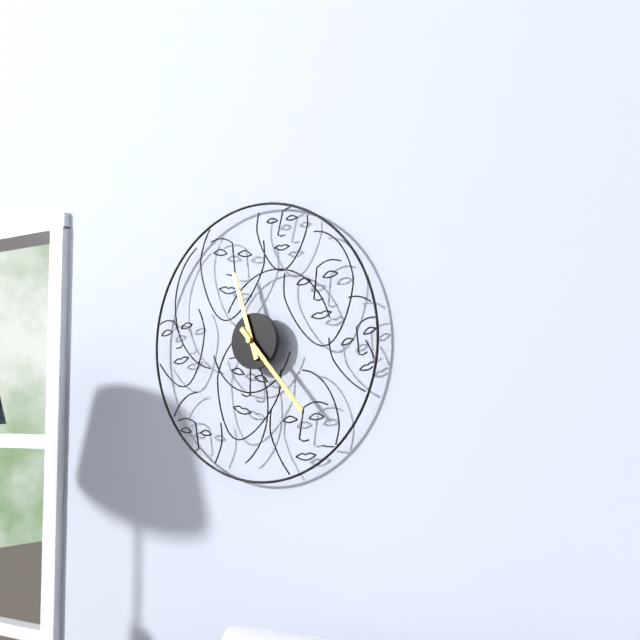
11.23
